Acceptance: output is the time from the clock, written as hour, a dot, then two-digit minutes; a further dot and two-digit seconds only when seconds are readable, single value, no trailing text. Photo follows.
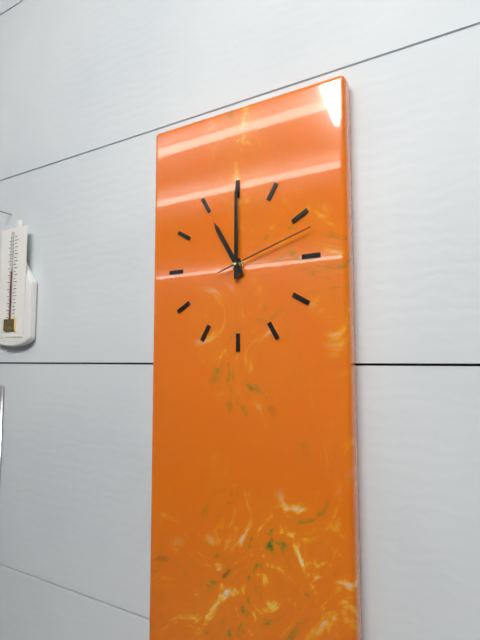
11.00.12
